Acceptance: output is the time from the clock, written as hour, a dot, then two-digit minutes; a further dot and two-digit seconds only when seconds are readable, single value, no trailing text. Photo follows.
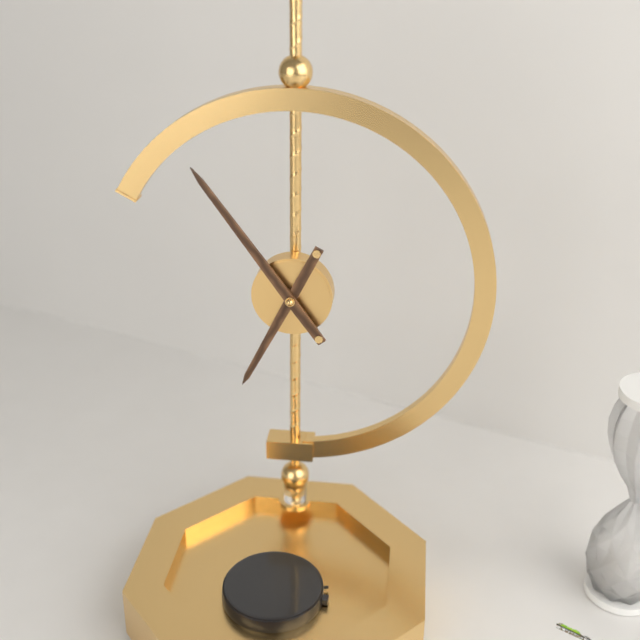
6.54
